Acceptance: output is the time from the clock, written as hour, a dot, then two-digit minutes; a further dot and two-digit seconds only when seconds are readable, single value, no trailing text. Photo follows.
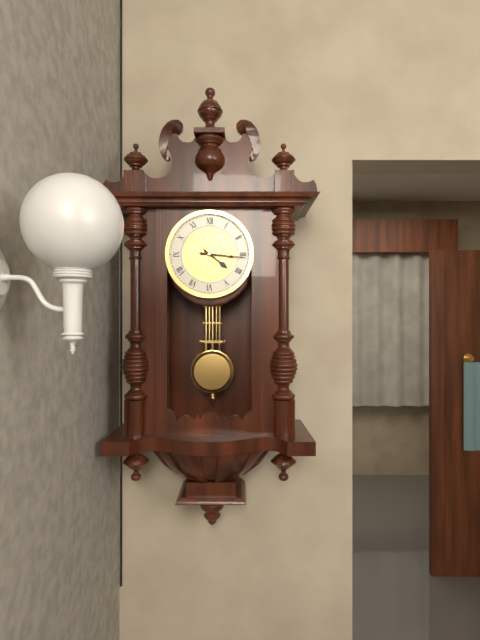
4.16
